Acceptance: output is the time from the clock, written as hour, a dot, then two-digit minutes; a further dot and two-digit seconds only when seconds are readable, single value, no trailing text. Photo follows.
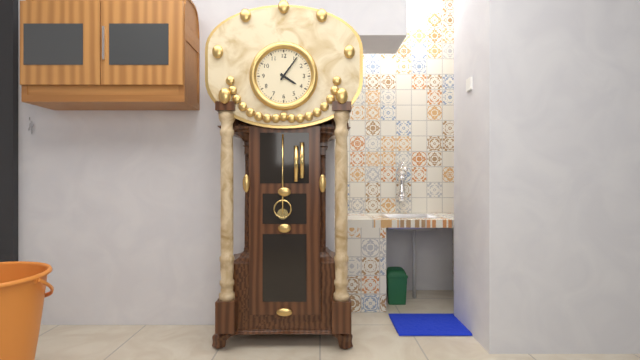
4.06
